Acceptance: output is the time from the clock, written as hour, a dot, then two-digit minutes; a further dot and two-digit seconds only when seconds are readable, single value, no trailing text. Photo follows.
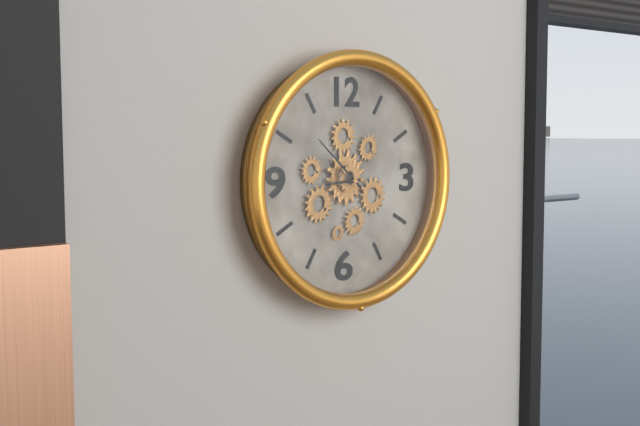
8.52
